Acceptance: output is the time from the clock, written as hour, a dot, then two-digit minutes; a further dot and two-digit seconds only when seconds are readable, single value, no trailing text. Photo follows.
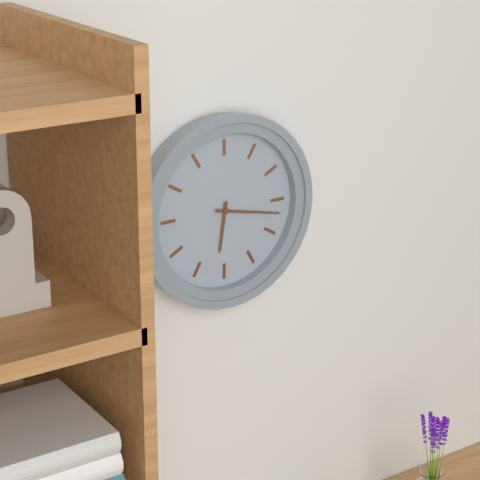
6.17
